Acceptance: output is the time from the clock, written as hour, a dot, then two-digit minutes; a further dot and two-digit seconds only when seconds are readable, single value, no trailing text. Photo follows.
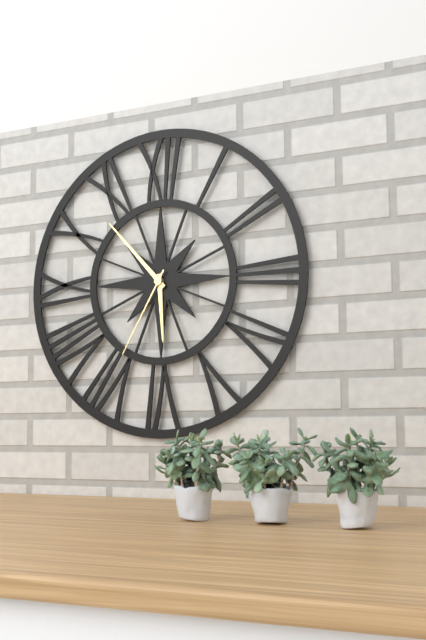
5.53.35
